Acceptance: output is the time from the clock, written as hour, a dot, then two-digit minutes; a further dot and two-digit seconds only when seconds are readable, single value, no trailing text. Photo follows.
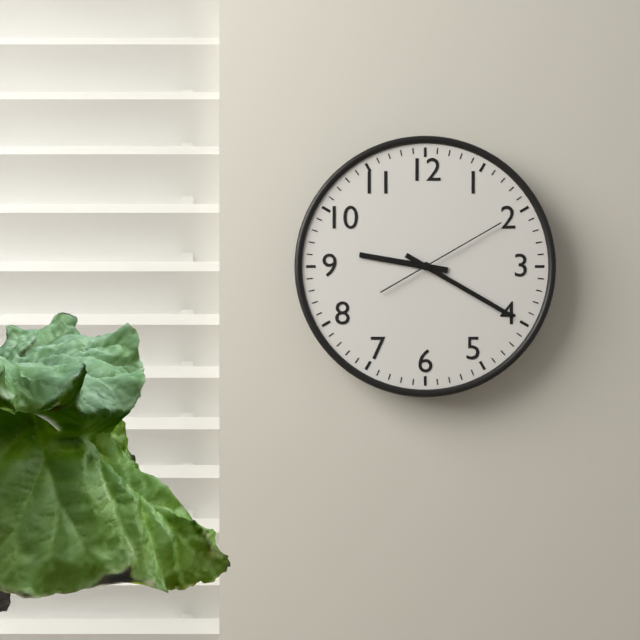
9.20.10
